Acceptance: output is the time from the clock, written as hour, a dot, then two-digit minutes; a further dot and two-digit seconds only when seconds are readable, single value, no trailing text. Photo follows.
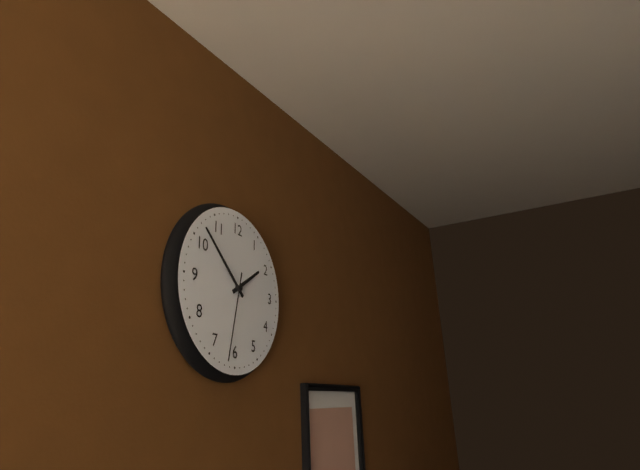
1.52.32
